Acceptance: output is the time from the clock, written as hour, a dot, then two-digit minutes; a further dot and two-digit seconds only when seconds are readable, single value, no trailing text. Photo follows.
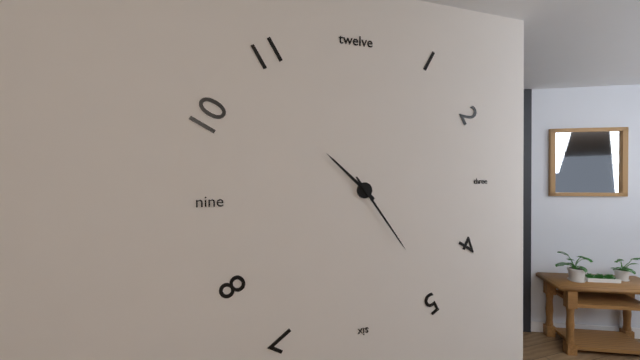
10.24
